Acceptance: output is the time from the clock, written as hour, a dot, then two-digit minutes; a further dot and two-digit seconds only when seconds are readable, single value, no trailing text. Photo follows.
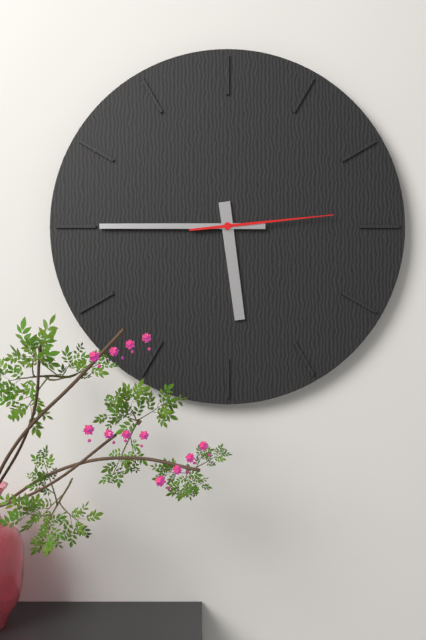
5.45.14
